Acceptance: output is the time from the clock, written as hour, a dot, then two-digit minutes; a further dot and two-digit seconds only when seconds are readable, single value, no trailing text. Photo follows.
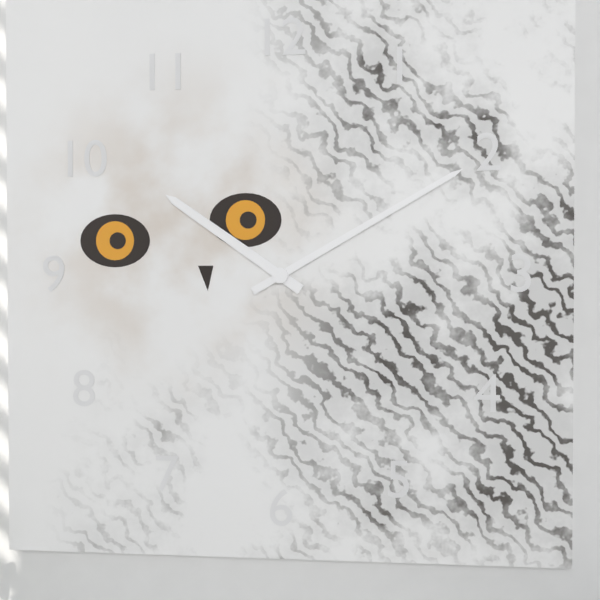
10.10
